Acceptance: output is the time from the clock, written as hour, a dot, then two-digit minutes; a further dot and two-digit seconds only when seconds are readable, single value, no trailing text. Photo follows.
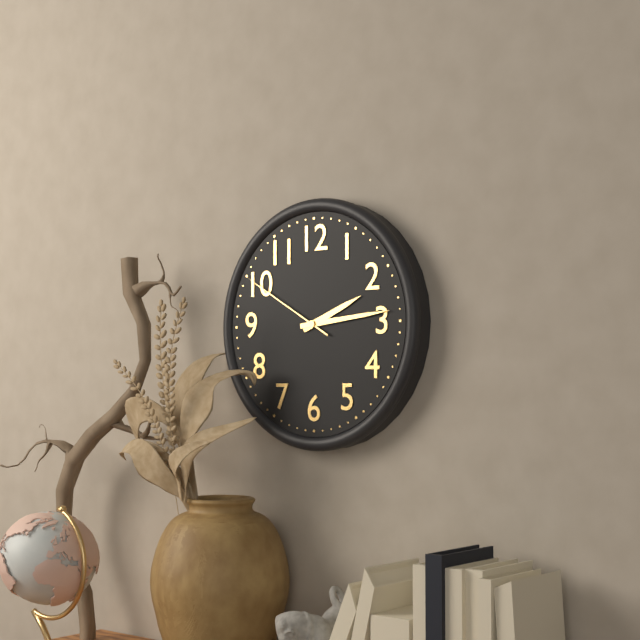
2.14.50
